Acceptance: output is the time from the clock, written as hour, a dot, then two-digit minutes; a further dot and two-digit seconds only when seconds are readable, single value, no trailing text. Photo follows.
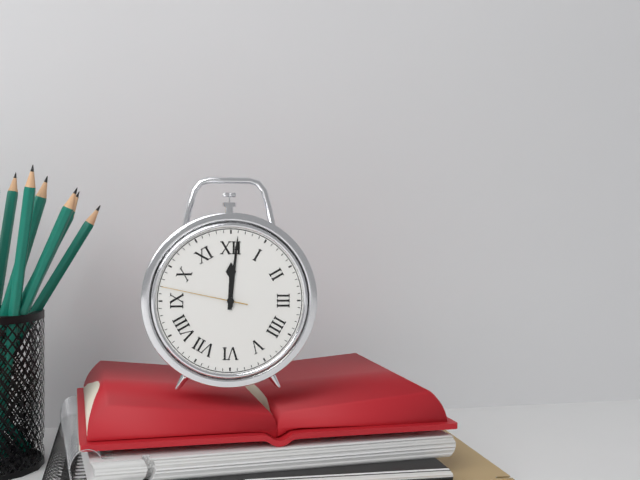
12.01.47
